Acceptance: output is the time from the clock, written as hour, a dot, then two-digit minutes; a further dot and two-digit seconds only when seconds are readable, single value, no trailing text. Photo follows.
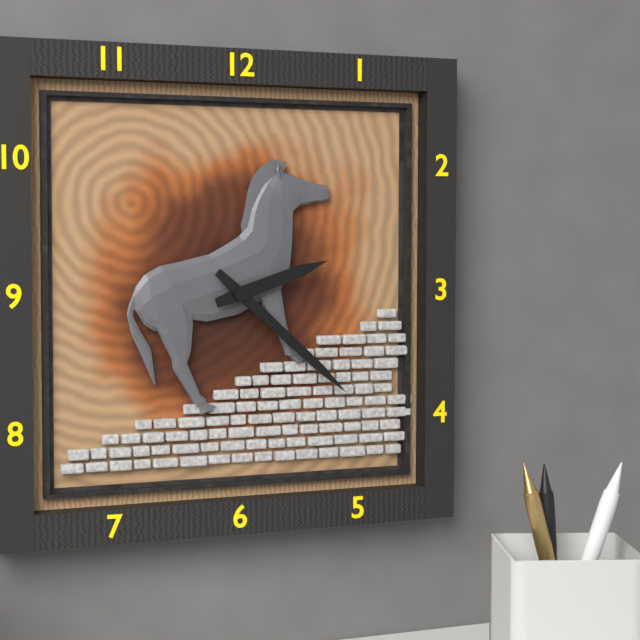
2.22
